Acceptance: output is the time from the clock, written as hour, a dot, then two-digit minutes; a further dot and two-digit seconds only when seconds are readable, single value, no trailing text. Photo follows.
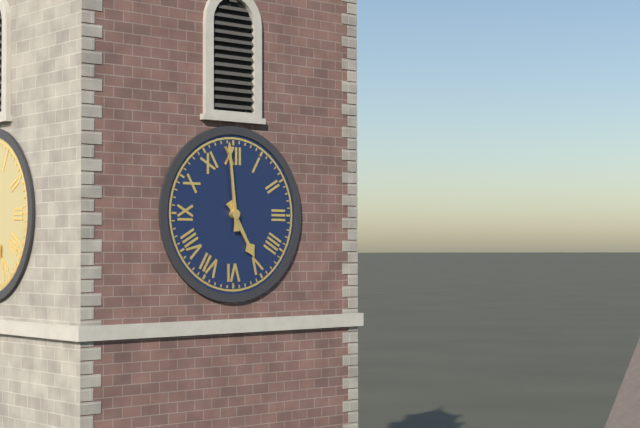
4.59
